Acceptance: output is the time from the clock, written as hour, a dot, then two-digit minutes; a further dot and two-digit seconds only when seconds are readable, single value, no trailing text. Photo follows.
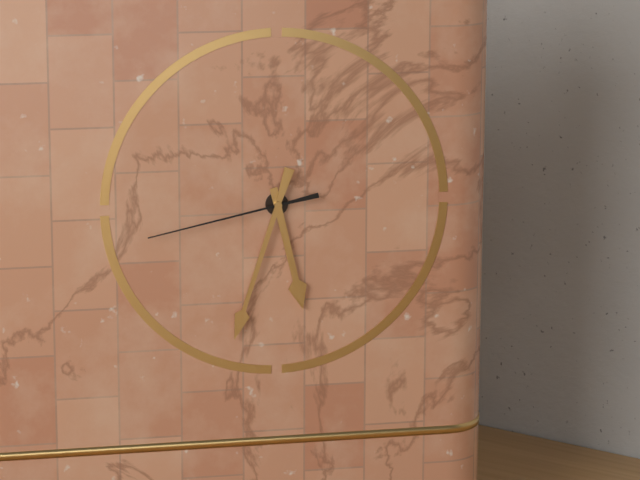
5.33.43
